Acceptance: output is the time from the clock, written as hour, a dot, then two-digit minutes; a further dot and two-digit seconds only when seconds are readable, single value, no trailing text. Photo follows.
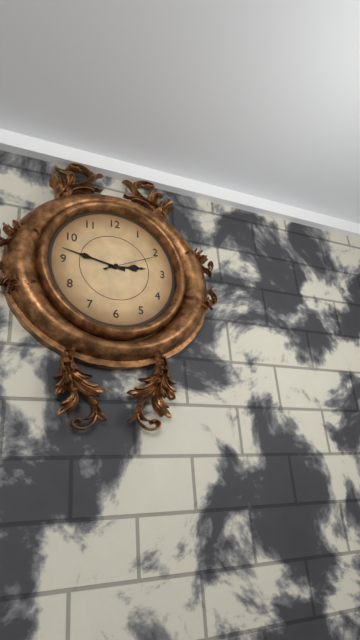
2.47.11
